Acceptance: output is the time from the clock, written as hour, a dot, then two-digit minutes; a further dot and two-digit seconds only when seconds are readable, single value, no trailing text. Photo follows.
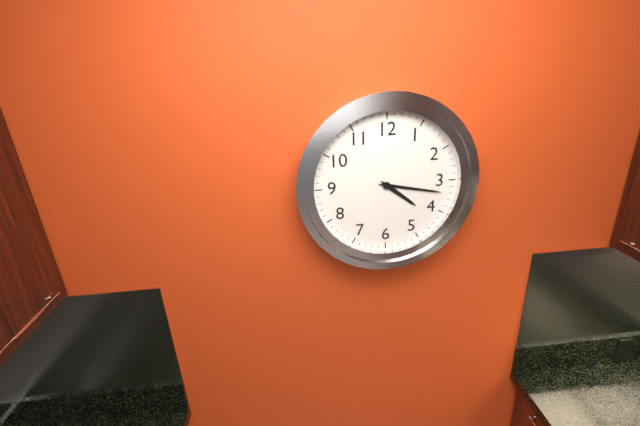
4.17
